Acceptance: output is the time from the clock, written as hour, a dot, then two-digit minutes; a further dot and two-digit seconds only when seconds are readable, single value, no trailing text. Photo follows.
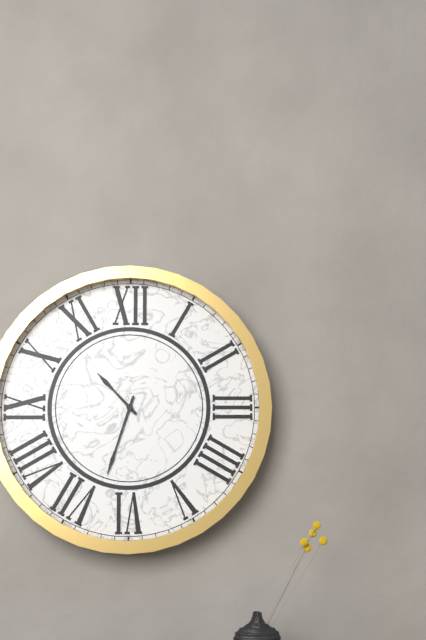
10.33
